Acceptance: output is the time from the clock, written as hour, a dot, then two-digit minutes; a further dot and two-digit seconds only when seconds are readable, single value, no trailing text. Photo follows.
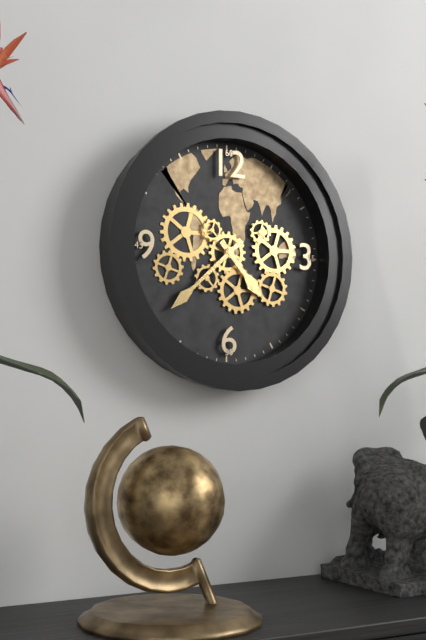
4.38
